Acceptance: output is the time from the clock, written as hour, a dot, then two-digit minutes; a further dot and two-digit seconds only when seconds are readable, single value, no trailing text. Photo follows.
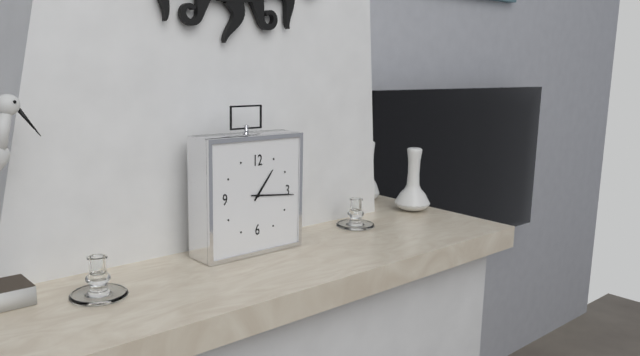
1.16
